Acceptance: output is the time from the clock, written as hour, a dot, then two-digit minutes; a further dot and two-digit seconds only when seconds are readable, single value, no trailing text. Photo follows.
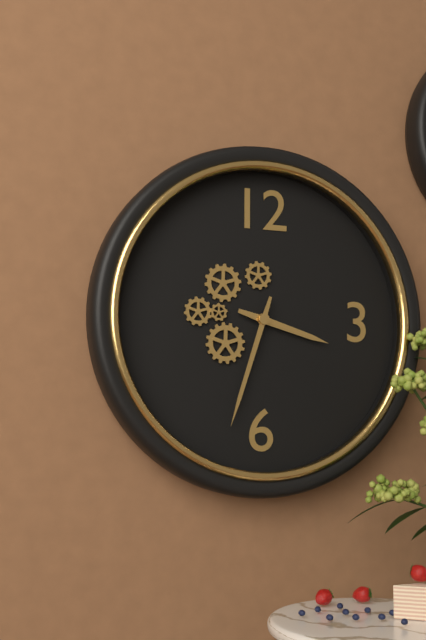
3.33
